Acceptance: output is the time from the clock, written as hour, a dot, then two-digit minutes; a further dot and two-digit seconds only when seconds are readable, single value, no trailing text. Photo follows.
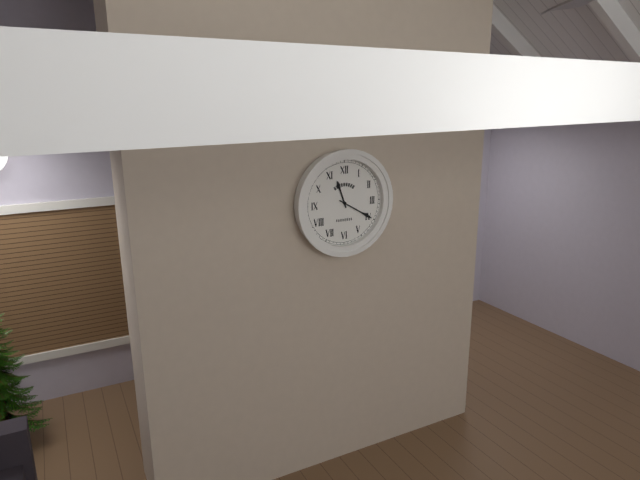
11.20
